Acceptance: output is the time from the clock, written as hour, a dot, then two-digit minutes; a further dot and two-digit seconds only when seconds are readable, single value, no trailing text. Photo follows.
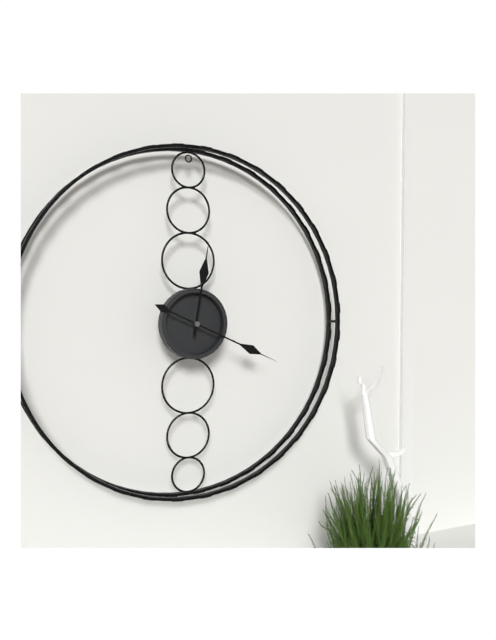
12.19
